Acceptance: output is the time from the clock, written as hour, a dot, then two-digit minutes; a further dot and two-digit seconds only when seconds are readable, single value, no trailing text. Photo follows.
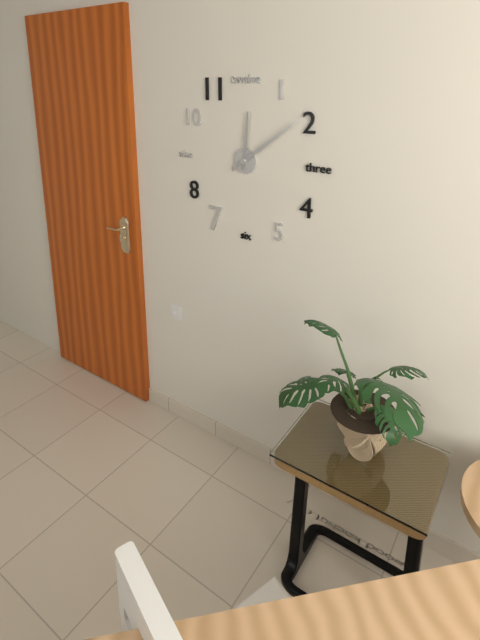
12.09
